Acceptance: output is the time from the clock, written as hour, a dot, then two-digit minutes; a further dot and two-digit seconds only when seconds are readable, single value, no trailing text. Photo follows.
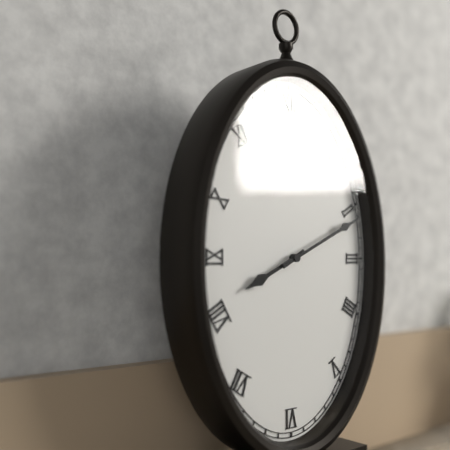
8.11
